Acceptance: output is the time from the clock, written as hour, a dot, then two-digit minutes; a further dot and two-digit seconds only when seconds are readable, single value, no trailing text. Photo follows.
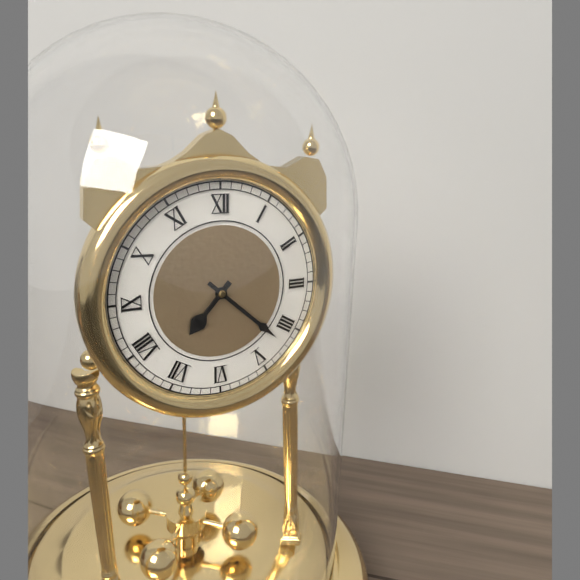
7.22
